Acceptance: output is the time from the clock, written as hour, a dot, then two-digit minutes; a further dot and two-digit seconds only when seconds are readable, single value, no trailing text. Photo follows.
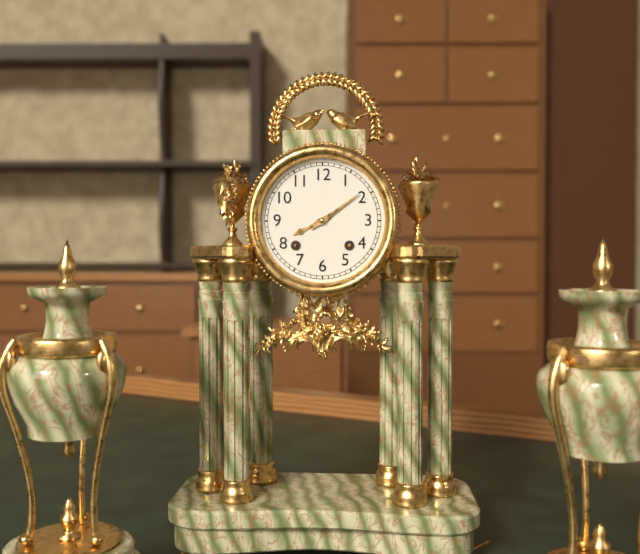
8.09
